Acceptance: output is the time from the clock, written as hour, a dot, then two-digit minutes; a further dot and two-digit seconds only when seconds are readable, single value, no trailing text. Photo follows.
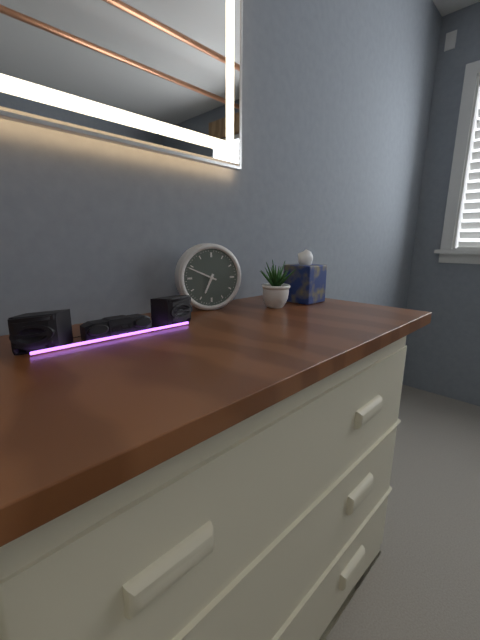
6.49
